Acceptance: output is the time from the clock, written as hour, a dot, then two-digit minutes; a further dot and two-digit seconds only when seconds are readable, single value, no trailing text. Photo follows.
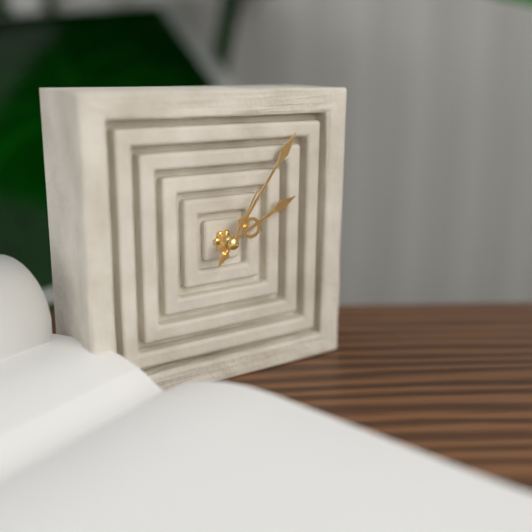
2.06.05
